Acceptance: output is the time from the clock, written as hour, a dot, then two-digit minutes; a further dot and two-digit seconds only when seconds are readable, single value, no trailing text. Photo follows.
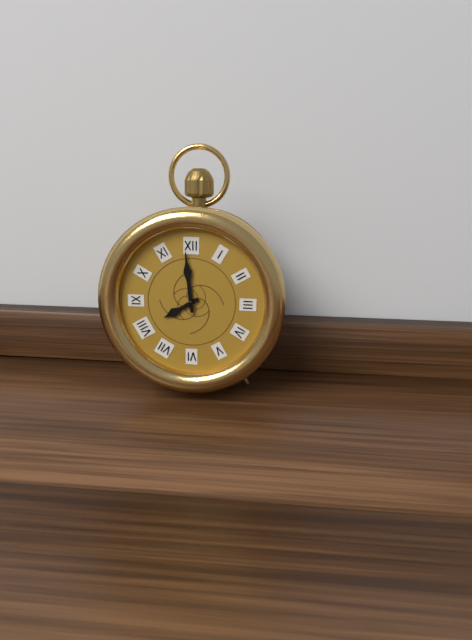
7.59
